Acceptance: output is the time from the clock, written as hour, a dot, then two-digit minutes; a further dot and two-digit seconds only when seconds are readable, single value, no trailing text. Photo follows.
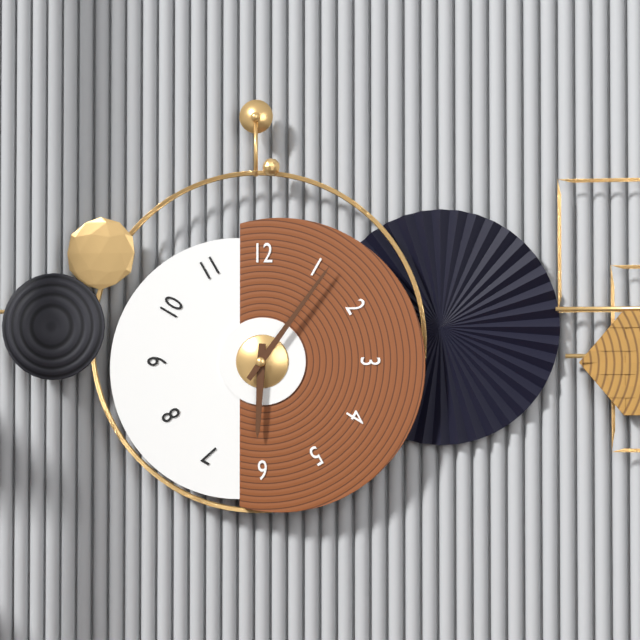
6.06
